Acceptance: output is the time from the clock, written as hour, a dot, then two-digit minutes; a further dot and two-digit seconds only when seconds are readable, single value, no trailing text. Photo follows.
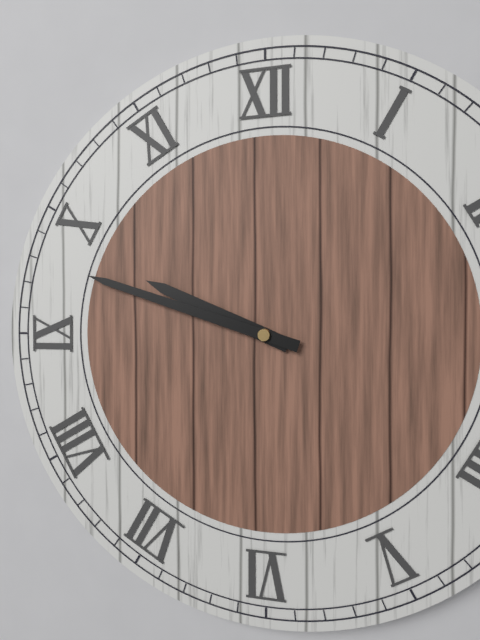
9.48
